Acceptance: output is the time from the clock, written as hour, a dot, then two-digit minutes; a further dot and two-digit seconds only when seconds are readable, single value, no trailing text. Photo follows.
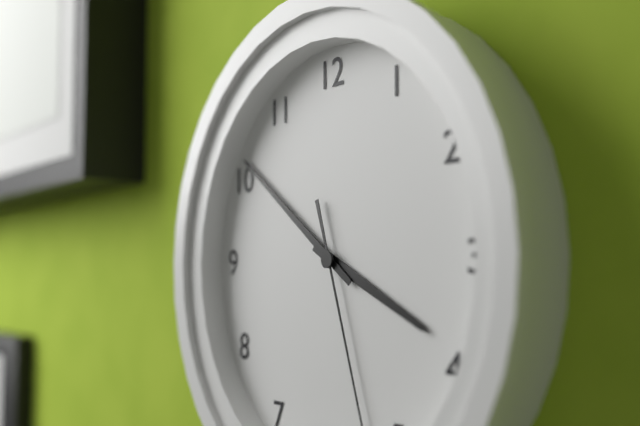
3.51
